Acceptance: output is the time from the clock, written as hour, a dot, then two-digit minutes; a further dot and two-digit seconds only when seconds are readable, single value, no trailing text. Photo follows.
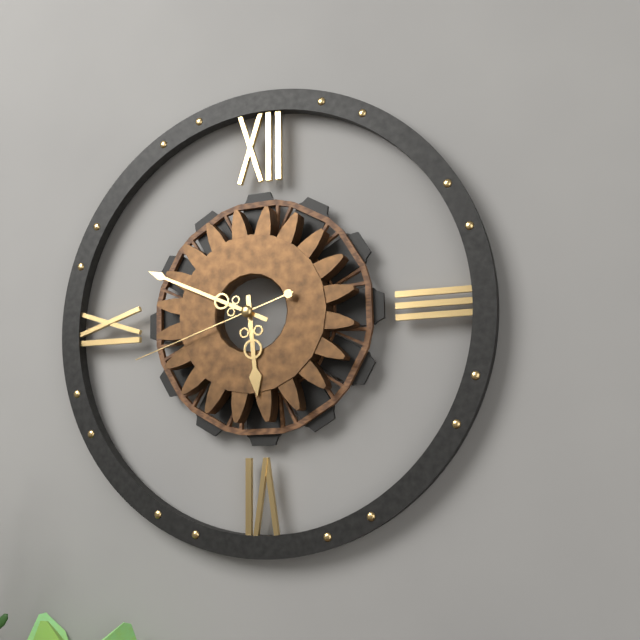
5.49.42
